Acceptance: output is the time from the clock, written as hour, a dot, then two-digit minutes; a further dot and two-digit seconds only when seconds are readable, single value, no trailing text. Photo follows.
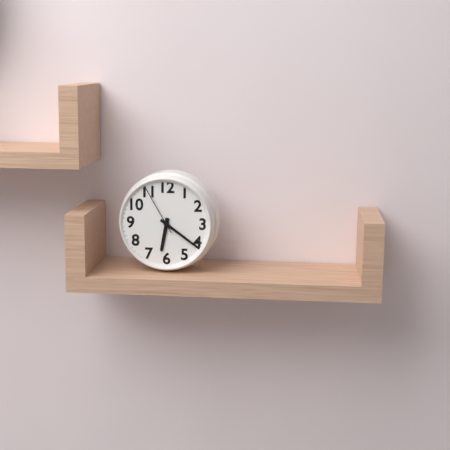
6.21.55
